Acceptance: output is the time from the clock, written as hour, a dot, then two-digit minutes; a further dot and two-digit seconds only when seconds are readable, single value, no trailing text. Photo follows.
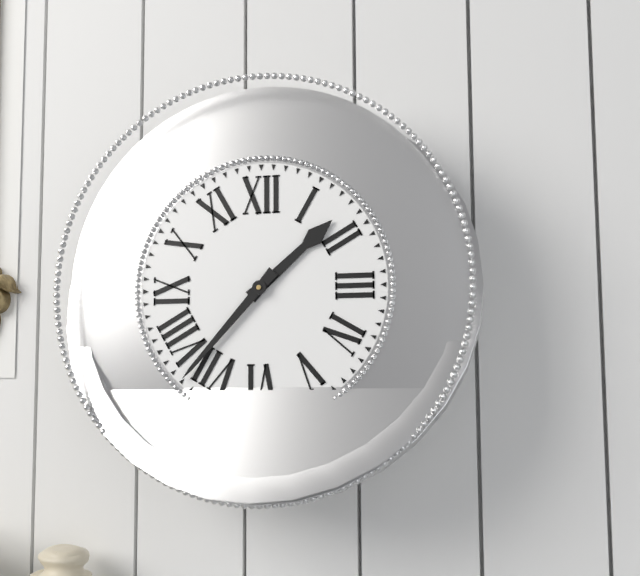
1.37
